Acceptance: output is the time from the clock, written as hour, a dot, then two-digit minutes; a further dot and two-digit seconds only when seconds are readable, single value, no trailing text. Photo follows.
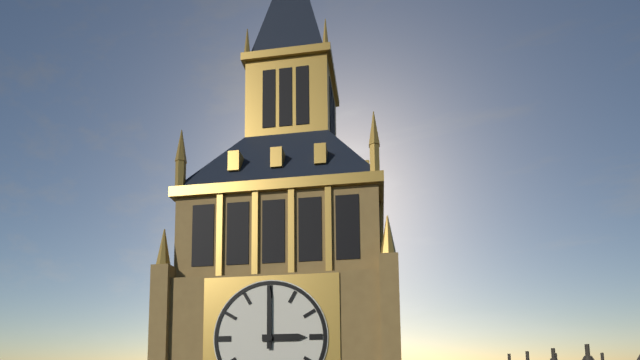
3.00
